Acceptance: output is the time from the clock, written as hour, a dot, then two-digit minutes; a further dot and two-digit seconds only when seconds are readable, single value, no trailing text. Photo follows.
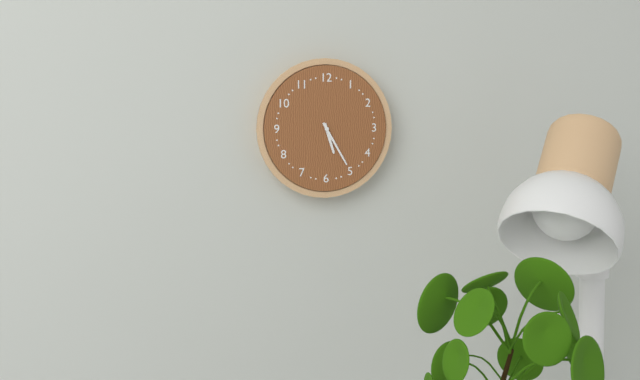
5.25
